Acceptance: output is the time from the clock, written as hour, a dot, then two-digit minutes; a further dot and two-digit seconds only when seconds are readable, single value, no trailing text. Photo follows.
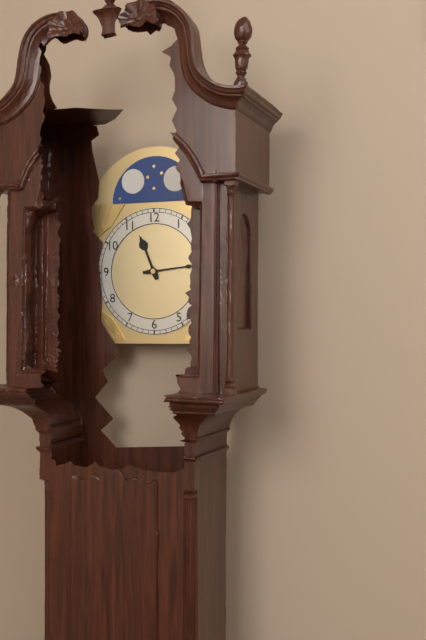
11.14
